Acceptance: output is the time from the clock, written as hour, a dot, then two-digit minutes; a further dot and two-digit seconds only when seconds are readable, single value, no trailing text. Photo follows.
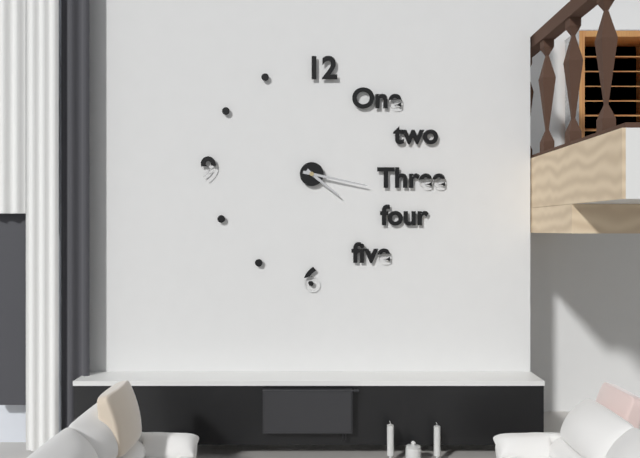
4.17
